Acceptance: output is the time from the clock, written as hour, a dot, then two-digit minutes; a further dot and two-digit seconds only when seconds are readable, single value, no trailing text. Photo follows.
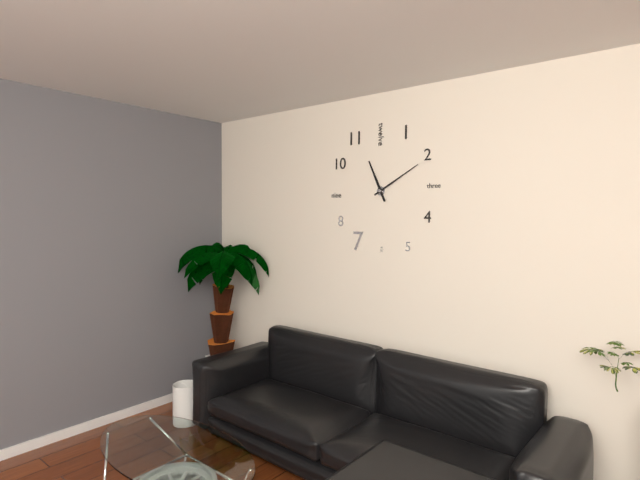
11.10
